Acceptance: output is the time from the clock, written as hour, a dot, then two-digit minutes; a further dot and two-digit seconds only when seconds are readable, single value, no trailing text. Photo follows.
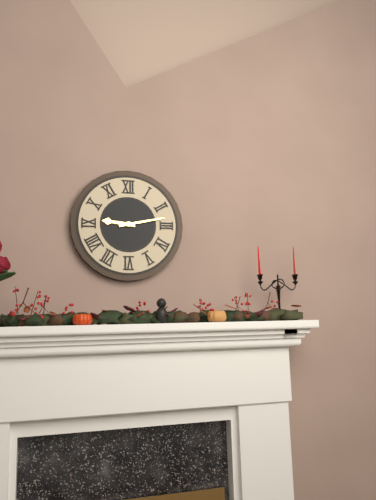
9.13
